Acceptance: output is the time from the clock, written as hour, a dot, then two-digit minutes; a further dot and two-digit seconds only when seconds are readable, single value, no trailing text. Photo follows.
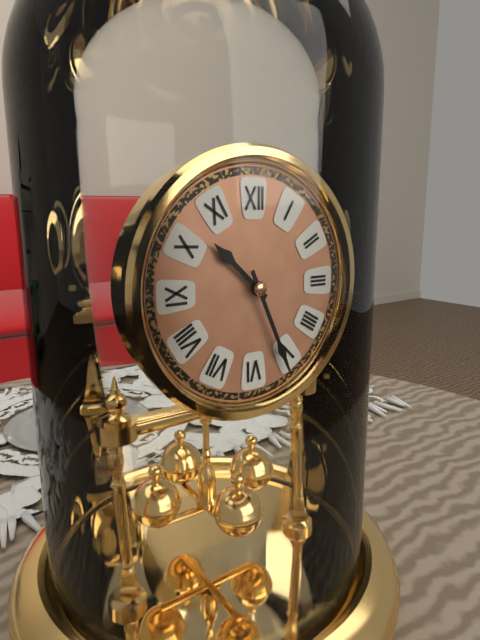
10.26
